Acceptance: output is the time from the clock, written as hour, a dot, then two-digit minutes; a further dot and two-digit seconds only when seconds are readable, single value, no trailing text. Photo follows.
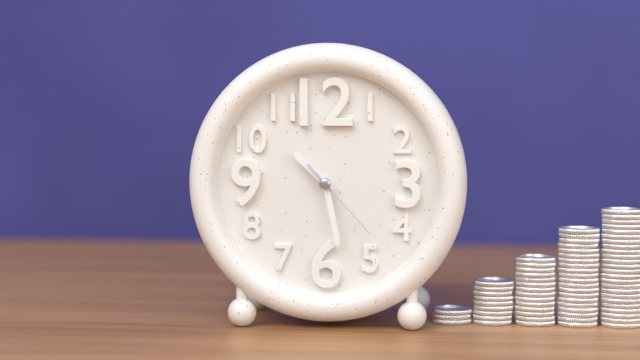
10.28.23
